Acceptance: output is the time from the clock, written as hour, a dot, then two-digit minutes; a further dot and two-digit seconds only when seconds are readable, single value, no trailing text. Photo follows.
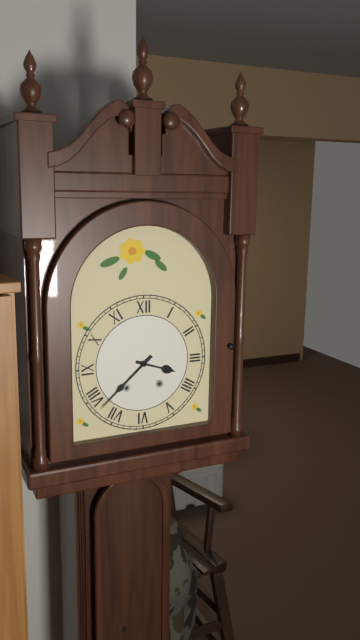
3.38
